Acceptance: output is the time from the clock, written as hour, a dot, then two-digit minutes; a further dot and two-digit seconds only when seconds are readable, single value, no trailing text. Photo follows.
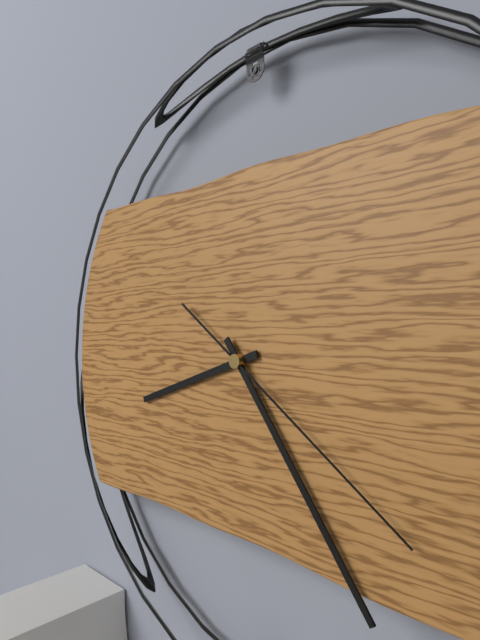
8.24.21
